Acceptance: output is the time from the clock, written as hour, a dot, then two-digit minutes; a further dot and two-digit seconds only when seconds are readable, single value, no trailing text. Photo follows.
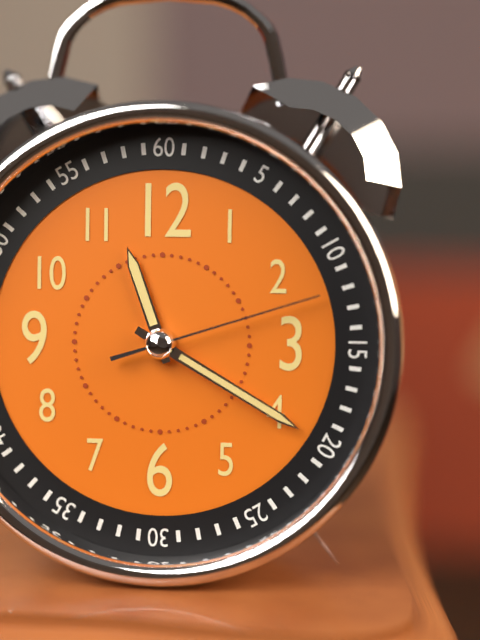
11.20.12
